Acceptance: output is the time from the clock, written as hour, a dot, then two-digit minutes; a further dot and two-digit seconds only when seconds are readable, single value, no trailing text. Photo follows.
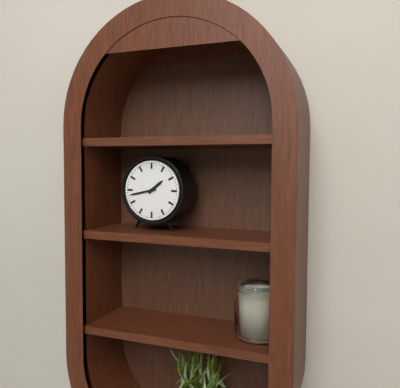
1.43
